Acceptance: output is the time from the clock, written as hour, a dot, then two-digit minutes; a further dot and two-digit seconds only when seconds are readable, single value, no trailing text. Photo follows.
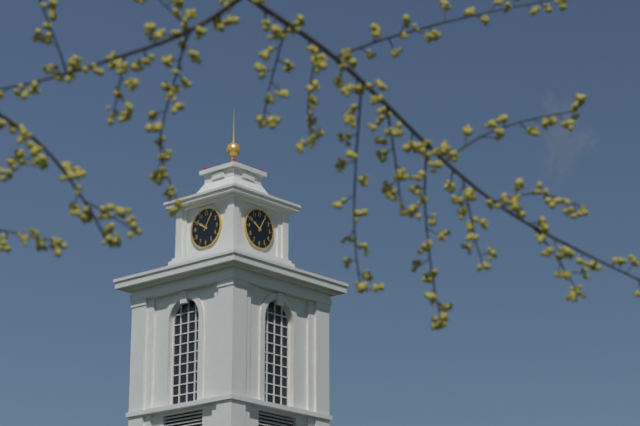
10.05
